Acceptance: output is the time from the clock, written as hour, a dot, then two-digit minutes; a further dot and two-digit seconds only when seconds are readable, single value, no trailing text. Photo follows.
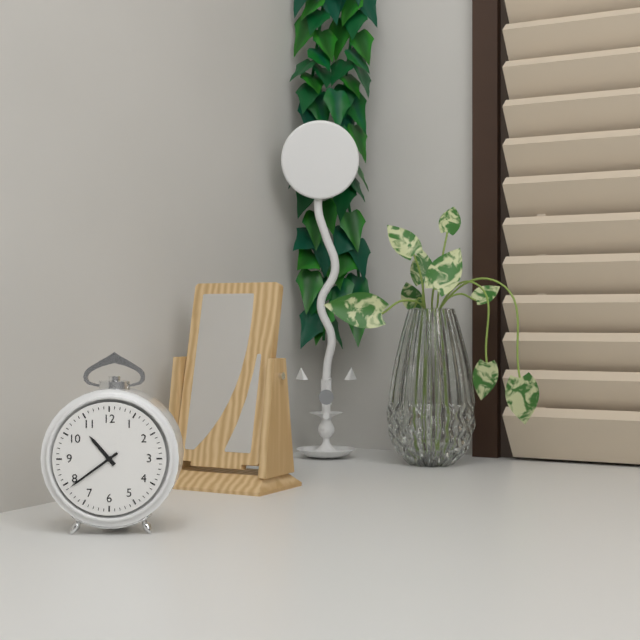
10.39
